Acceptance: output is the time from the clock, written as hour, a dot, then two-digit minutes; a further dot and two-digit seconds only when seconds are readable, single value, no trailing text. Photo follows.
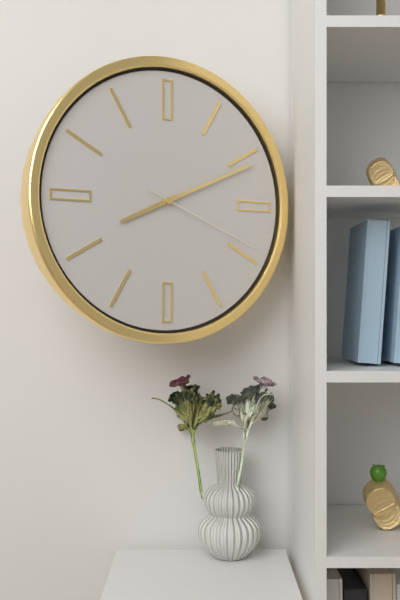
8.11.19
